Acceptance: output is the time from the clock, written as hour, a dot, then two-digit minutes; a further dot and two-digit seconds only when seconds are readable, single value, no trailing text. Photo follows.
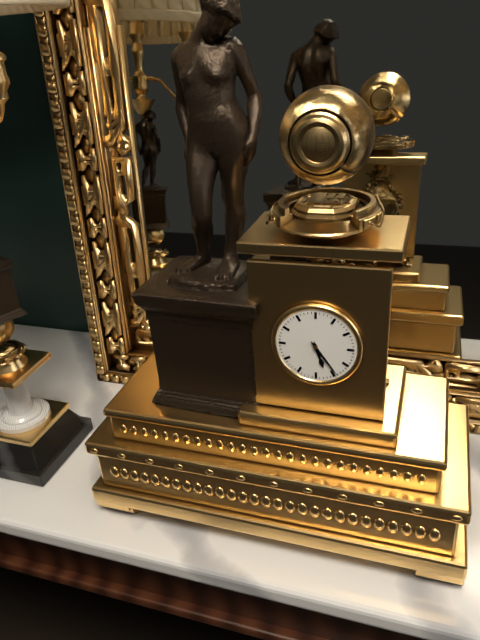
5.24
